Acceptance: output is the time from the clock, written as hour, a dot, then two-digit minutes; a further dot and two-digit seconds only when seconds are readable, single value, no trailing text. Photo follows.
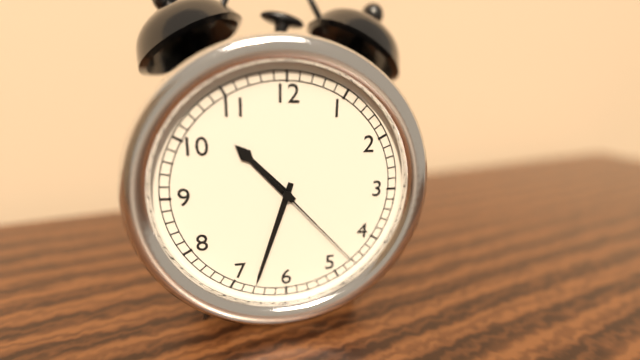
10.33.23
